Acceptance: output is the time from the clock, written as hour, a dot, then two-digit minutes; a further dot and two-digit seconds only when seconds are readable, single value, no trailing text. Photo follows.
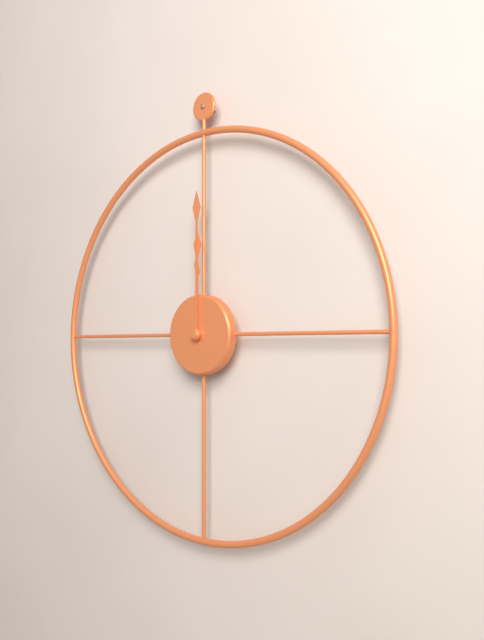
12.00
